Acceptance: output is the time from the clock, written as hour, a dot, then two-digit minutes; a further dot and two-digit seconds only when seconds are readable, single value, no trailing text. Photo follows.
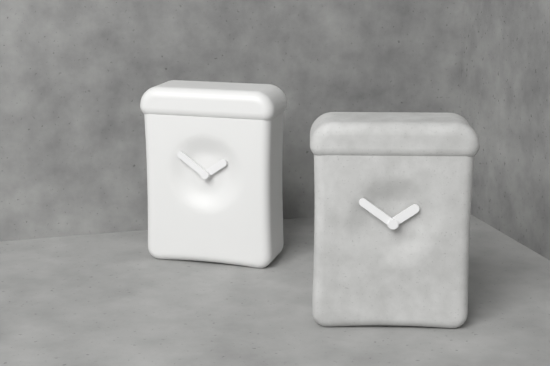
1.51
